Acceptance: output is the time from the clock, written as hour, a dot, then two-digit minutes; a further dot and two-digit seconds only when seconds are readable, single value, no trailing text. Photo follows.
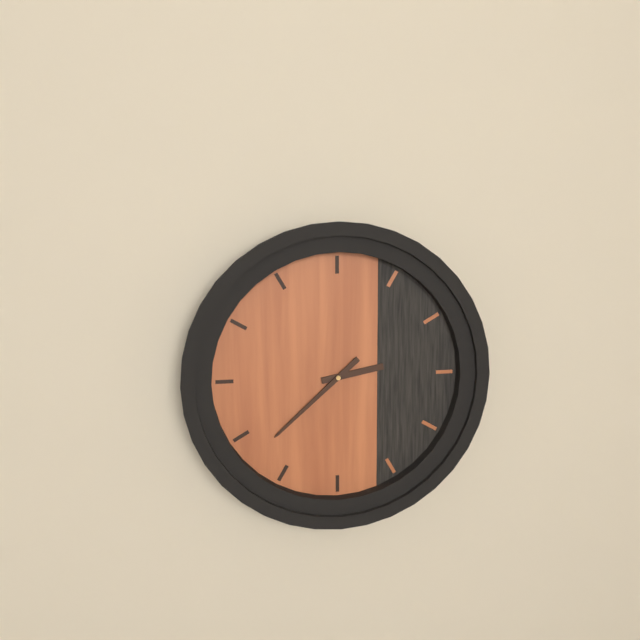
2.38
